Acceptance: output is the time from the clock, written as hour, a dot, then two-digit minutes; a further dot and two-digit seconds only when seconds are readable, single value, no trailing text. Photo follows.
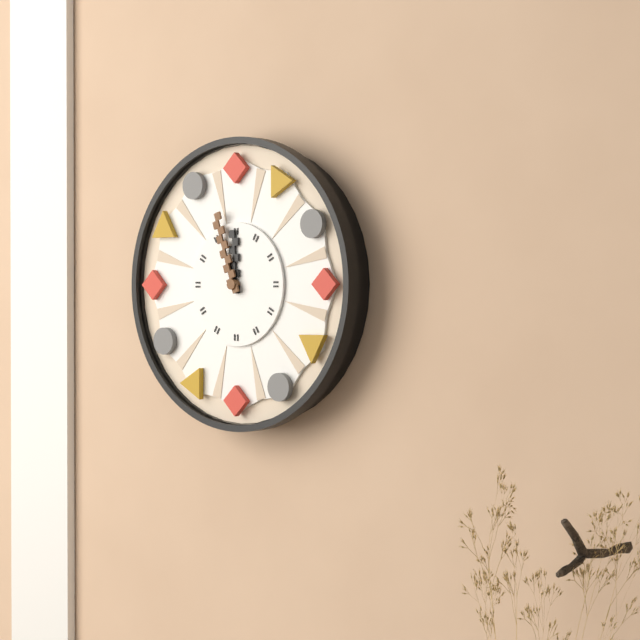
11.57
